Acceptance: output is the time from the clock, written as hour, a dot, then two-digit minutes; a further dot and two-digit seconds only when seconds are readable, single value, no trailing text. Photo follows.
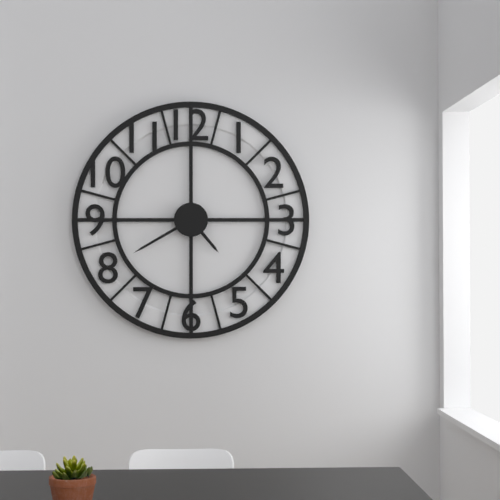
4.40
